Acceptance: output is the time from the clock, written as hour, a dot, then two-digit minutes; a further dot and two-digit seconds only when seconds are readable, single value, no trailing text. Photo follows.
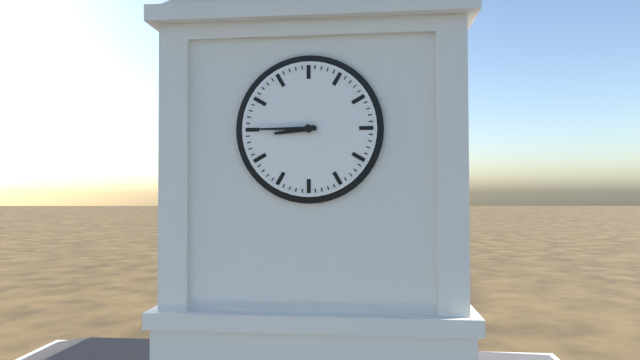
8.45
